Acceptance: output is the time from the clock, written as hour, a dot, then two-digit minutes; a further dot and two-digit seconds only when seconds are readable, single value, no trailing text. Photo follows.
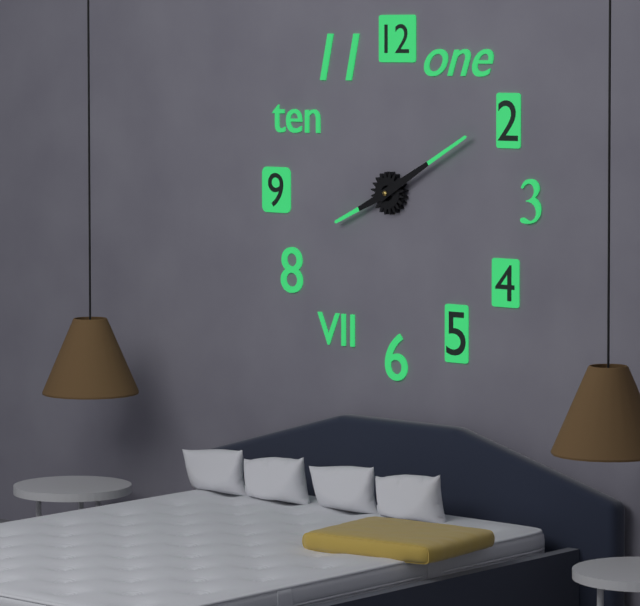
8.10
